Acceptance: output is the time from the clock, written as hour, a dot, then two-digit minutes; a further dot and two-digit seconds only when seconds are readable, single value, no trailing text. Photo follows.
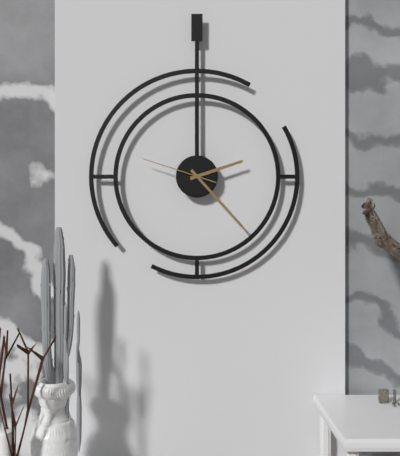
2.23.48
